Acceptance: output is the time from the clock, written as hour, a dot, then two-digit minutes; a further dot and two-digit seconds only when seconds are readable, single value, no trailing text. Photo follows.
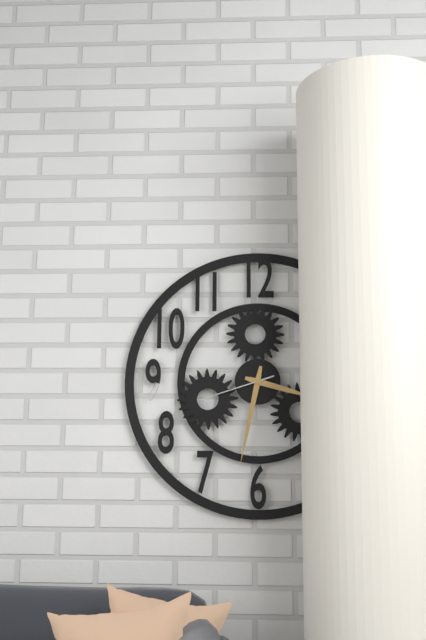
3.32.42
